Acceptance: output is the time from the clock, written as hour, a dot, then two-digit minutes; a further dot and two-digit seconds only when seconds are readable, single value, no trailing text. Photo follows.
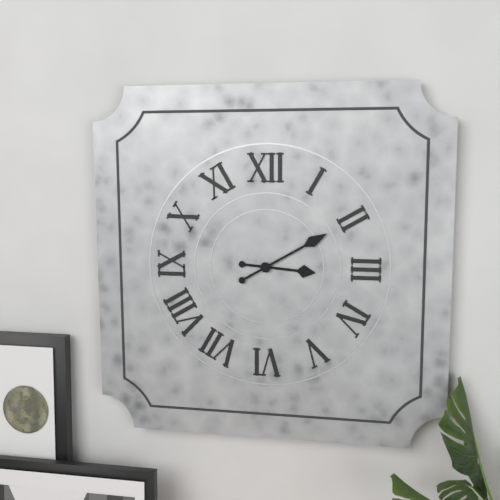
3.10
